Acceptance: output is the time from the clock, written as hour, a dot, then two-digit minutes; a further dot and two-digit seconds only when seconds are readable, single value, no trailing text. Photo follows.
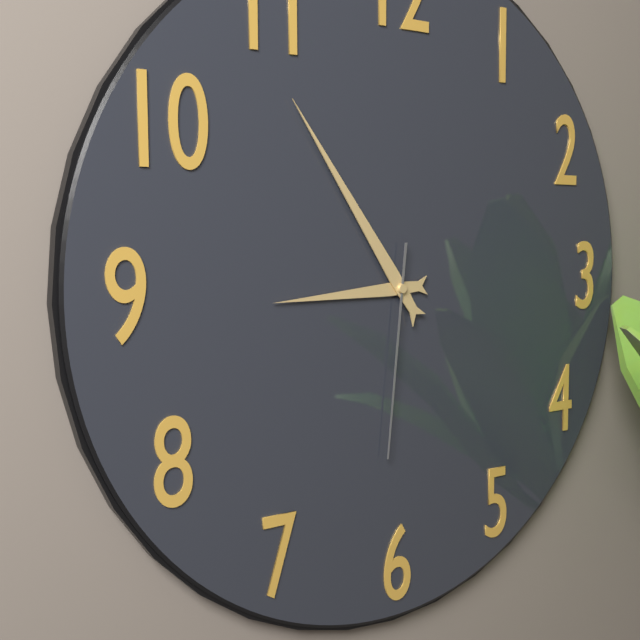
8.54.31
